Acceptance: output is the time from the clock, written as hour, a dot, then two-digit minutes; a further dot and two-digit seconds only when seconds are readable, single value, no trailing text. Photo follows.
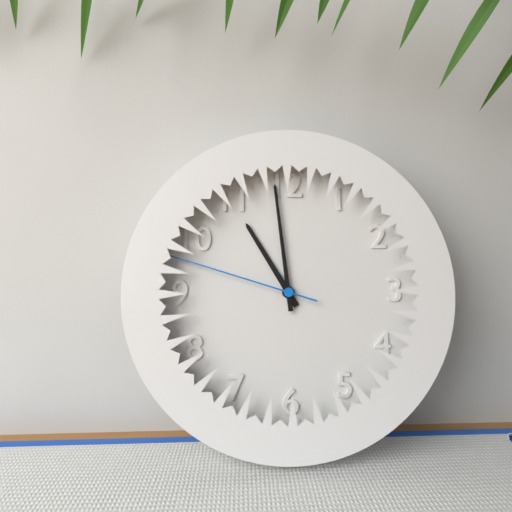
10.59.48
